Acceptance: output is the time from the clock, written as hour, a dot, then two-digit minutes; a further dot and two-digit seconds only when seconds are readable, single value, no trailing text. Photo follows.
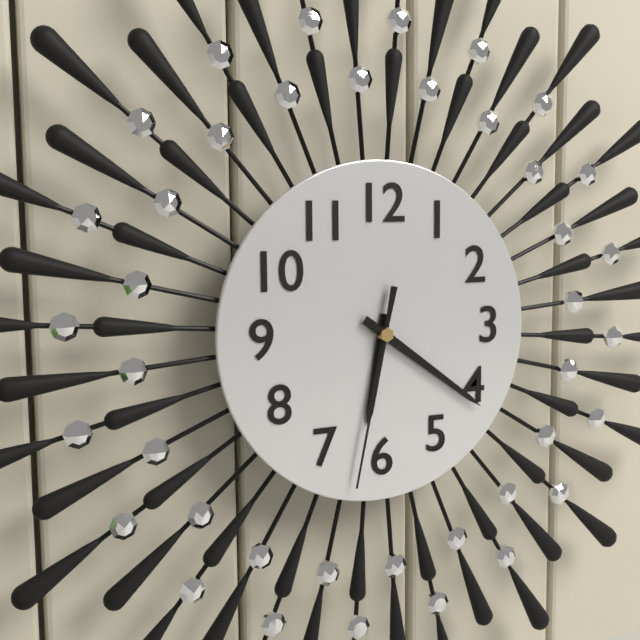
6.21.32
